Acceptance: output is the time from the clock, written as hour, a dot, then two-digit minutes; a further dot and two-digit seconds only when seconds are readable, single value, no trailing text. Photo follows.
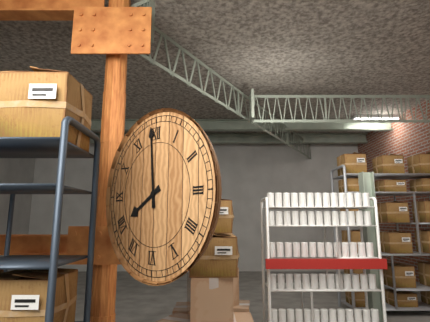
7.59
